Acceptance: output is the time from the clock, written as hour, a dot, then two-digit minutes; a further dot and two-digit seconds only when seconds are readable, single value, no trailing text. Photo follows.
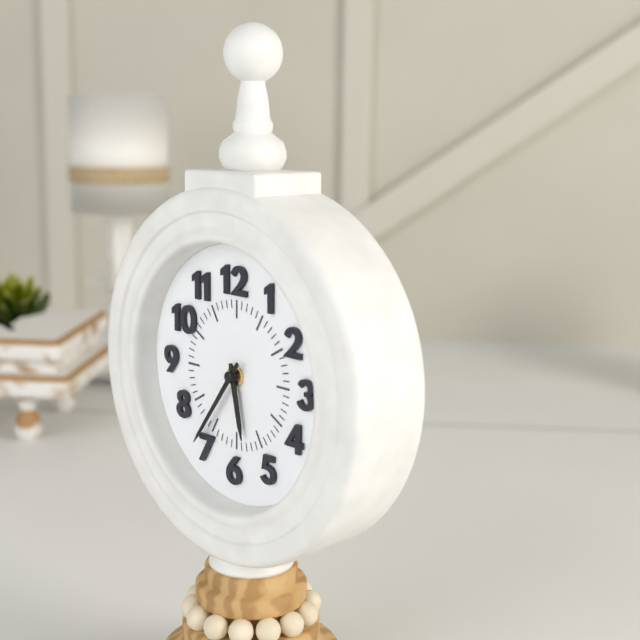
5.36
